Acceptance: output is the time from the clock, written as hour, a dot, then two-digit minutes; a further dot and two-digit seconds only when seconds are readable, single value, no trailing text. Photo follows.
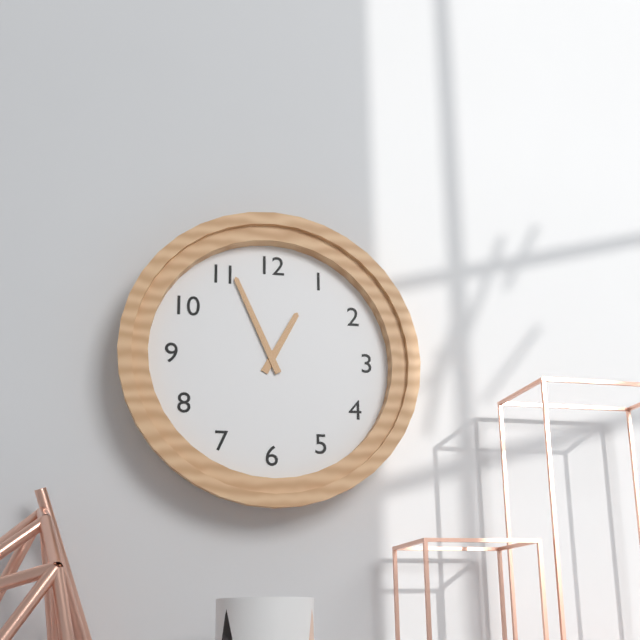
12.56
